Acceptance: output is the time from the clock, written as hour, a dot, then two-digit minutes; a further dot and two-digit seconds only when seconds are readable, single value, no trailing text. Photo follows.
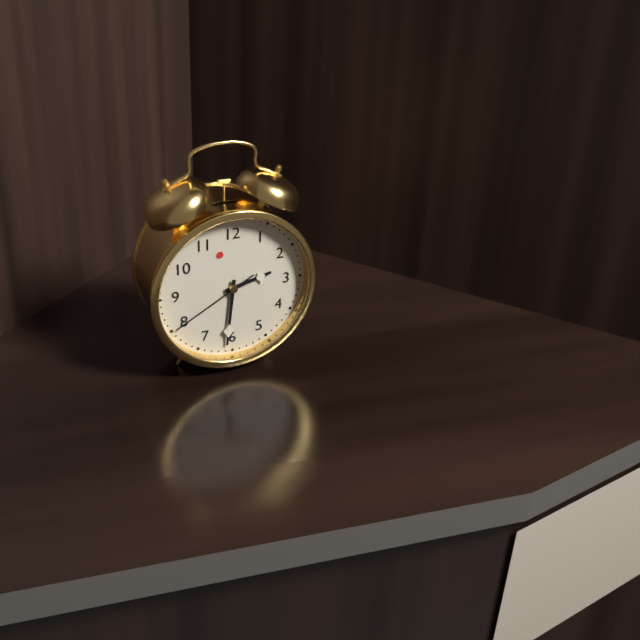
2.31.40
